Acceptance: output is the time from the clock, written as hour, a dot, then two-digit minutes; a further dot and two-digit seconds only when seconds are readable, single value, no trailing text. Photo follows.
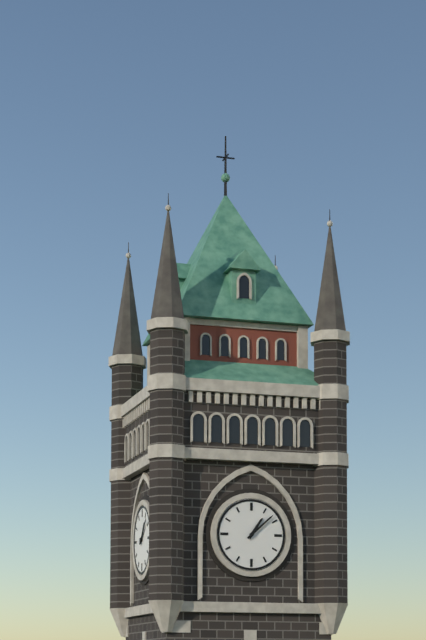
1.08
